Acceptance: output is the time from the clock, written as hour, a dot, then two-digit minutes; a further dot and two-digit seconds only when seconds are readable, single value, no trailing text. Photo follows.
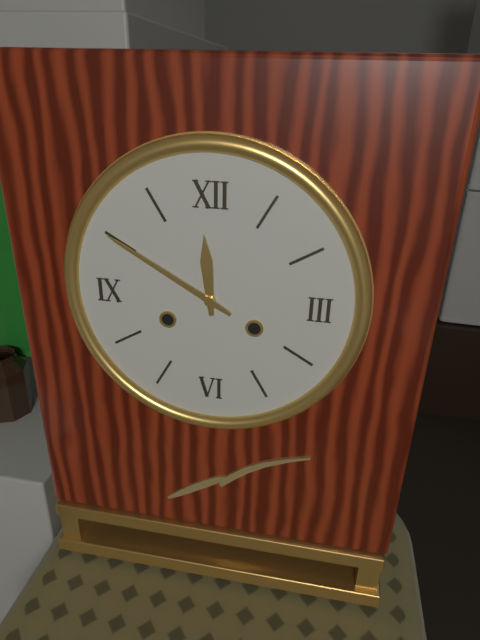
11.50
